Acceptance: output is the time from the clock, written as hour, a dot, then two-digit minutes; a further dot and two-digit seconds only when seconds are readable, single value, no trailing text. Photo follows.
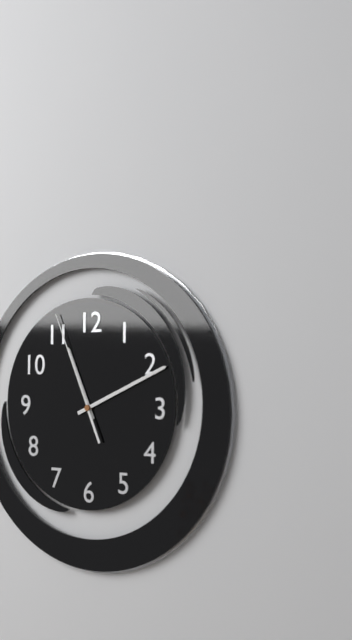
11.11.56
